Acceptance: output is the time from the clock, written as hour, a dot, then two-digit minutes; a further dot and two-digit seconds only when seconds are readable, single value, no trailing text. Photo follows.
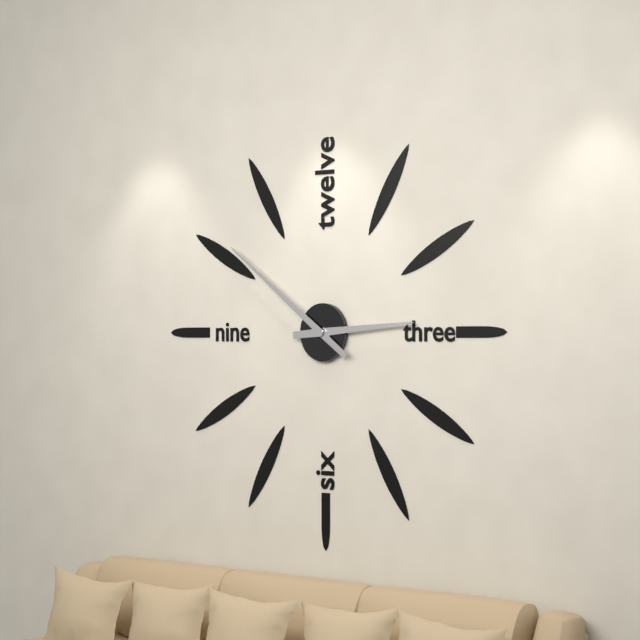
2.51
